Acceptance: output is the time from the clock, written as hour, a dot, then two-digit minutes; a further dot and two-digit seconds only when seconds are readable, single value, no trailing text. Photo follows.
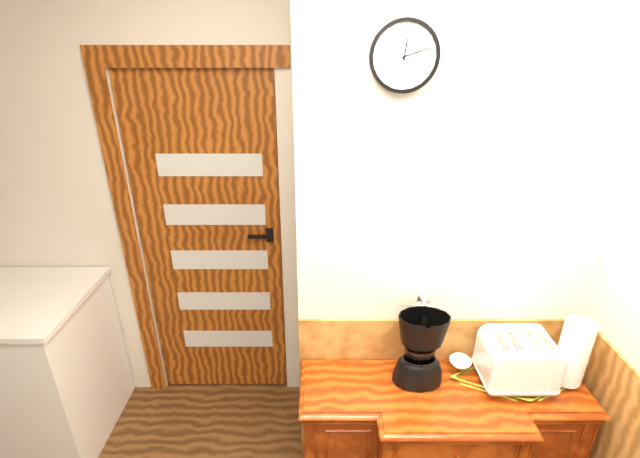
12.12
